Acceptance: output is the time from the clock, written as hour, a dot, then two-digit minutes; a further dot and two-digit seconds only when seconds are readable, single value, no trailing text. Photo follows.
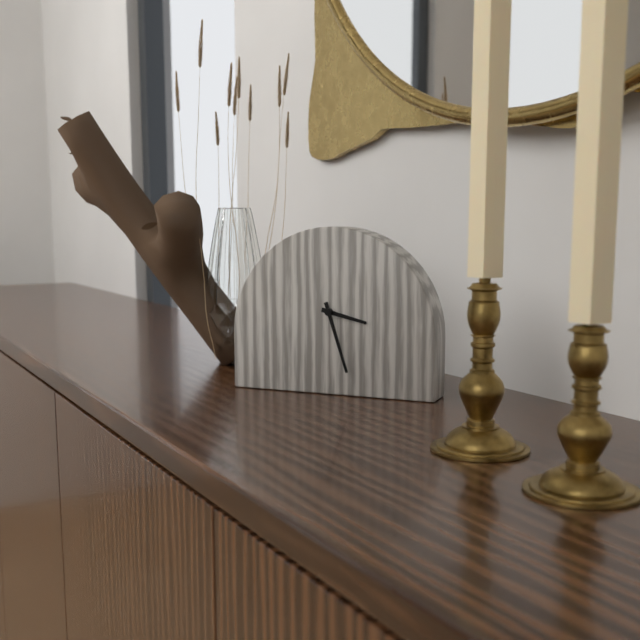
3.27
